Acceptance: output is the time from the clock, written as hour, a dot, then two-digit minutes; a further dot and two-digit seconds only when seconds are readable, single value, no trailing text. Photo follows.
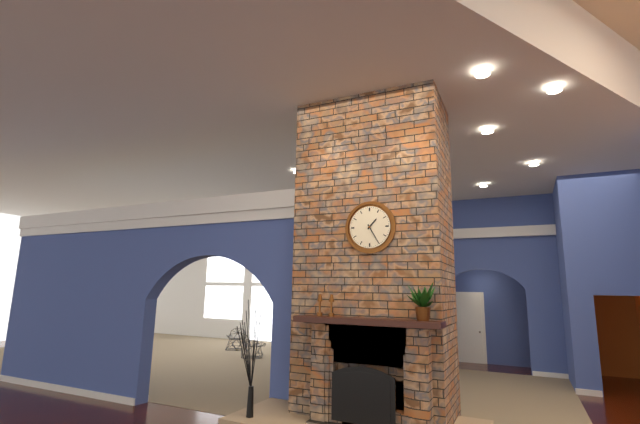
1.25
